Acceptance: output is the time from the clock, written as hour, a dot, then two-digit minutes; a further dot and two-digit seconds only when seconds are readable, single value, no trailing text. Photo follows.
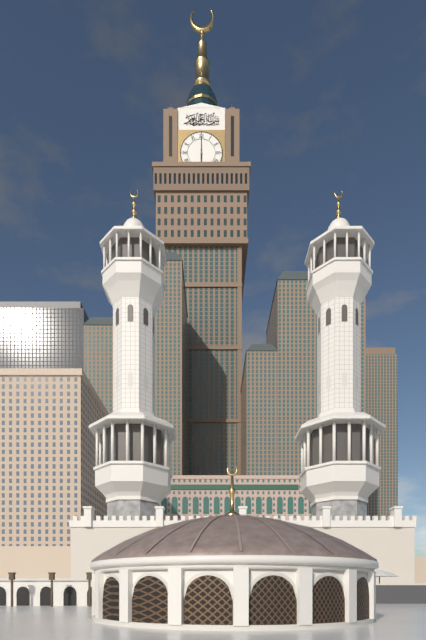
6.00
